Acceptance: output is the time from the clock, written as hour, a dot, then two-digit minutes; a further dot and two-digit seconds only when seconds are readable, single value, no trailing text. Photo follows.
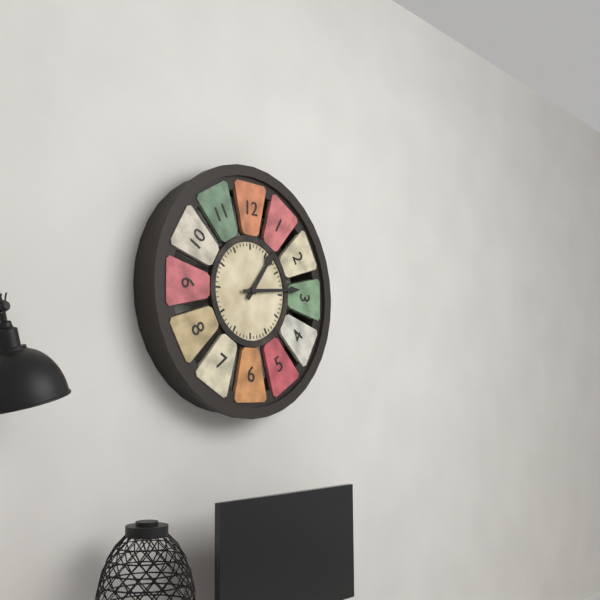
1.14
